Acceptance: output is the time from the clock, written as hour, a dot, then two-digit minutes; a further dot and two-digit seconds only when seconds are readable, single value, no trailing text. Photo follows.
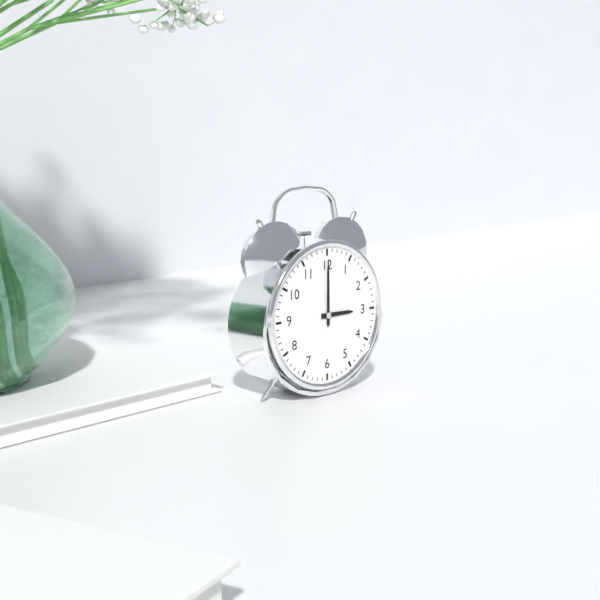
3.00
